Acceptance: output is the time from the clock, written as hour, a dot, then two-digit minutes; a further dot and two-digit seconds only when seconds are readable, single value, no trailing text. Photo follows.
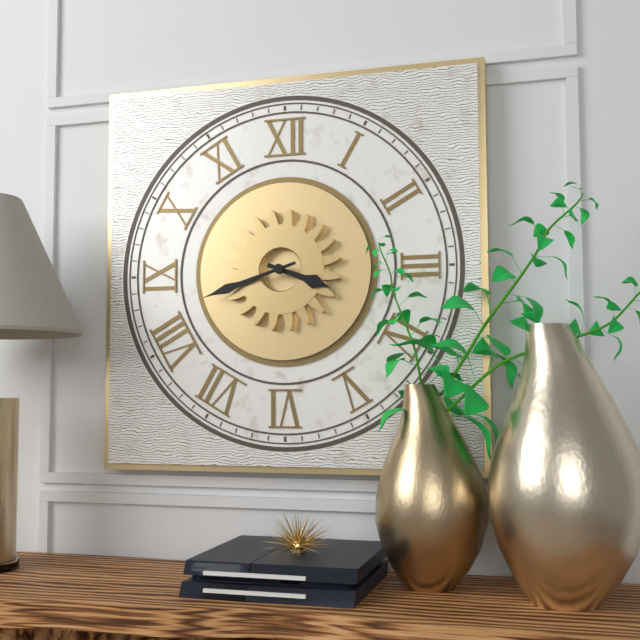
3.42
